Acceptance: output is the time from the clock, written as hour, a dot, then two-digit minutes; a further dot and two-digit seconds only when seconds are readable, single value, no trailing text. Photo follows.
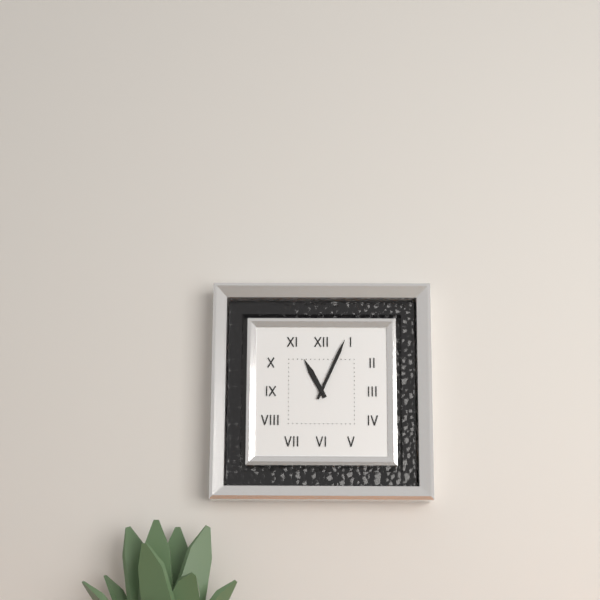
11.04
